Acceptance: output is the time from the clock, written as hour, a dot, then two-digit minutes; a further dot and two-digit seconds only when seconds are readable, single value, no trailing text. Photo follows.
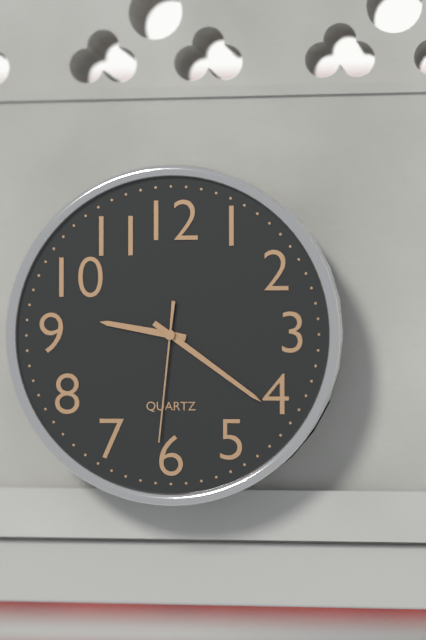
9.21.31
